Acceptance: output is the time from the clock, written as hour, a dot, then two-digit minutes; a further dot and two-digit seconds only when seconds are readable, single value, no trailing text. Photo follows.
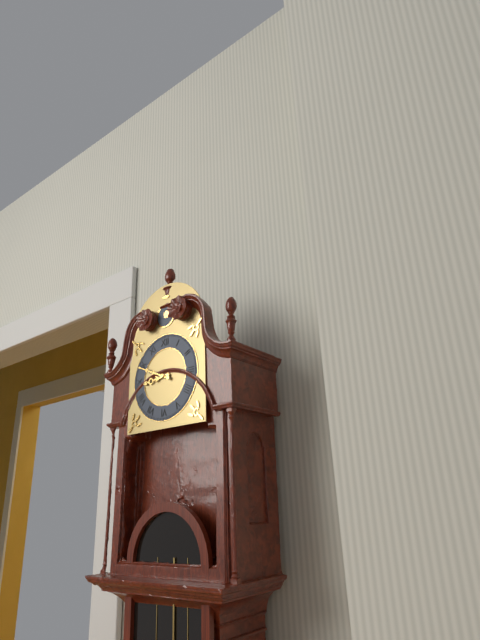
8.49
